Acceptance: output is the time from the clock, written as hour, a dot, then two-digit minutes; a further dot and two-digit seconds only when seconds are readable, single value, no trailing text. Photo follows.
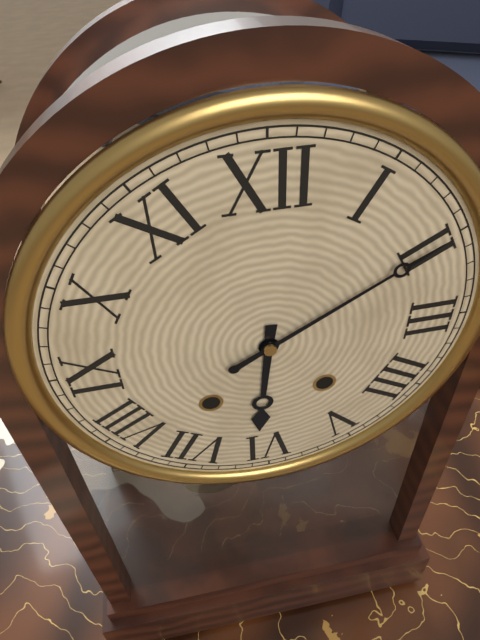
6.10
